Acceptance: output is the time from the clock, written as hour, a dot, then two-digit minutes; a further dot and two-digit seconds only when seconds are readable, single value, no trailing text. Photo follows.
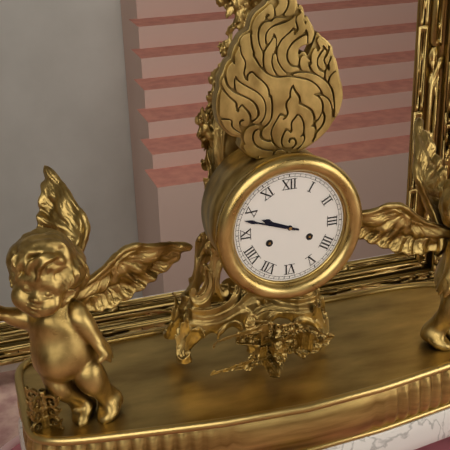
9.48
